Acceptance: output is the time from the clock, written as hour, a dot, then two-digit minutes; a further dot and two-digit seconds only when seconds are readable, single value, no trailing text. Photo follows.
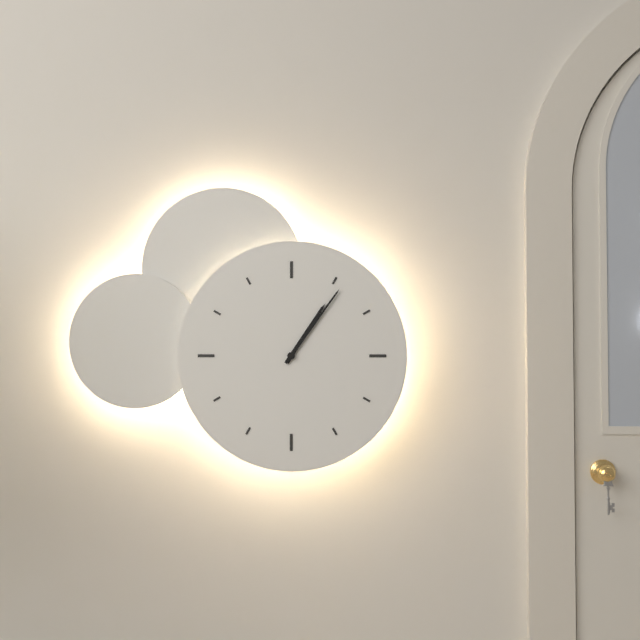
1.06
